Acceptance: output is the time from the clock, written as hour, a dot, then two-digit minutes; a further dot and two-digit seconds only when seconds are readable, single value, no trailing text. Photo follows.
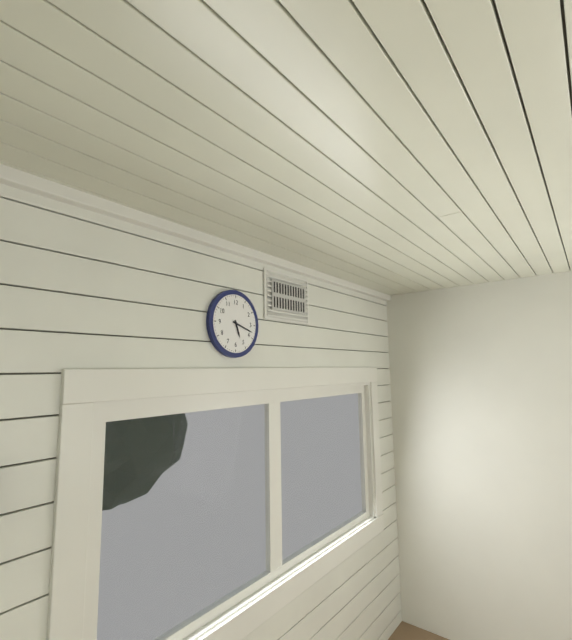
5.18
